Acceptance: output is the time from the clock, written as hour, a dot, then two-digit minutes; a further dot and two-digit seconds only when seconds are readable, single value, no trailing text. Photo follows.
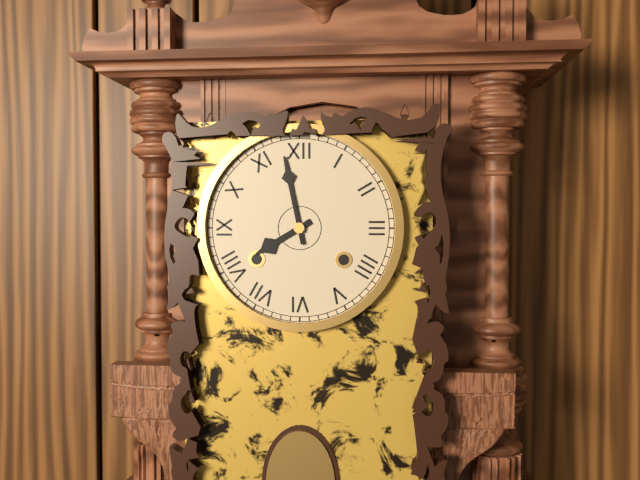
7.58
